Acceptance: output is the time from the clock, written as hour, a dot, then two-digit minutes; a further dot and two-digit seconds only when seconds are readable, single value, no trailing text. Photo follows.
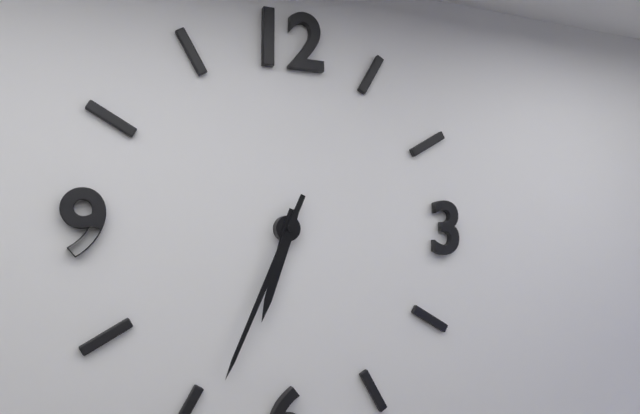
6.34
